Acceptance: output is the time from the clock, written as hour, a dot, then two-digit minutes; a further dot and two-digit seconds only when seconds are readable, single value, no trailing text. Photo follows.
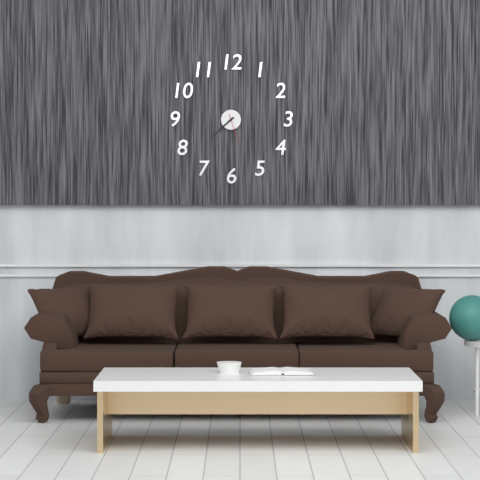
7.38
